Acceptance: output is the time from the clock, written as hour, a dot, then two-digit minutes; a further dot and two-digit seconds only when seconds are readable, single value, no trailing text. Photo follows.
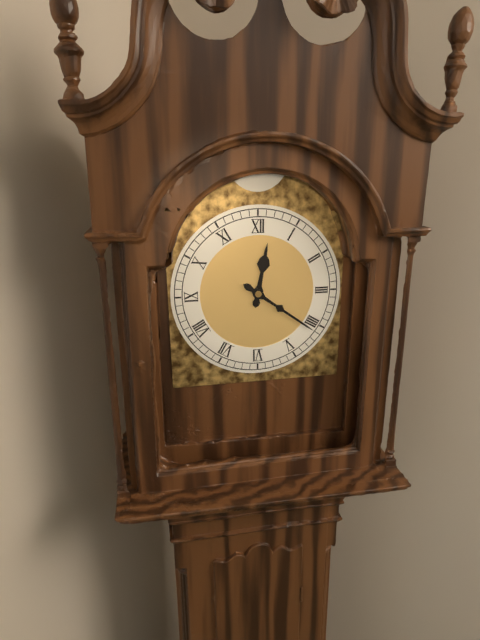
12.21
